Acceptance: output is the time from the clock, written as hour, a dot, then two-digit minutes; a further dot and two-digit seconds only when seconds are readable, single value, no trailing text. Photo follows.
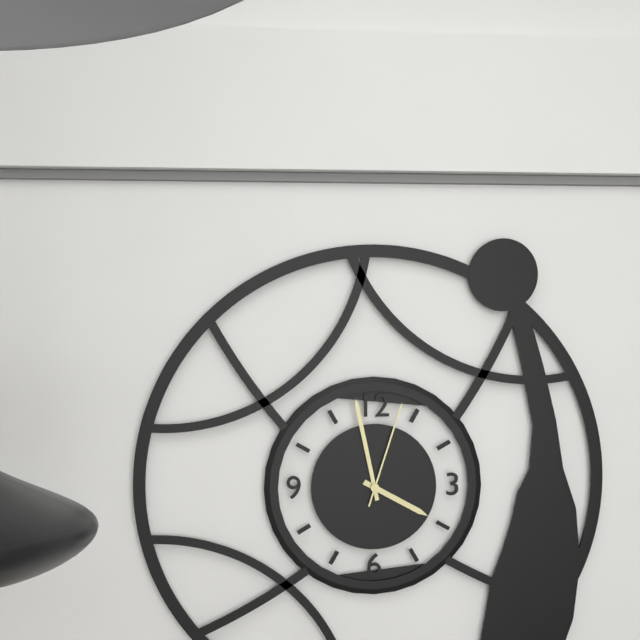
3.58.03
